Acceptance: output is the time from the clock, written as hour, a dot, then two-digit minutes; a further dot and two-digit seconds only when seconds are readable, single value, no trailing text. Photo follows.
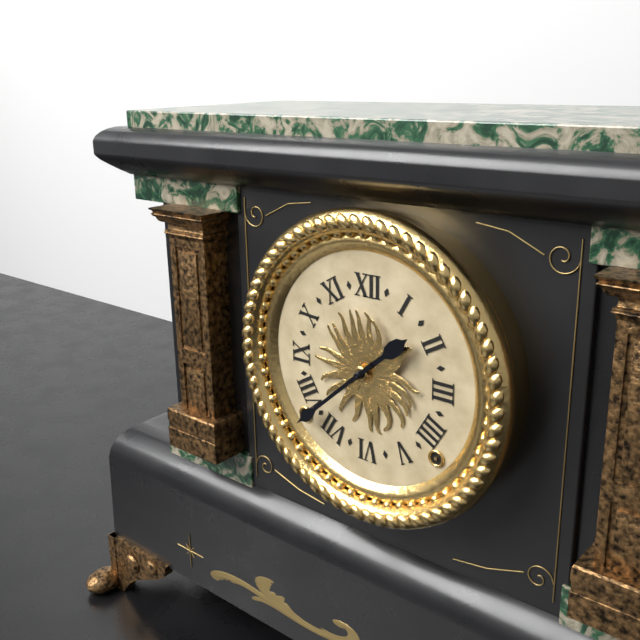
1.38
